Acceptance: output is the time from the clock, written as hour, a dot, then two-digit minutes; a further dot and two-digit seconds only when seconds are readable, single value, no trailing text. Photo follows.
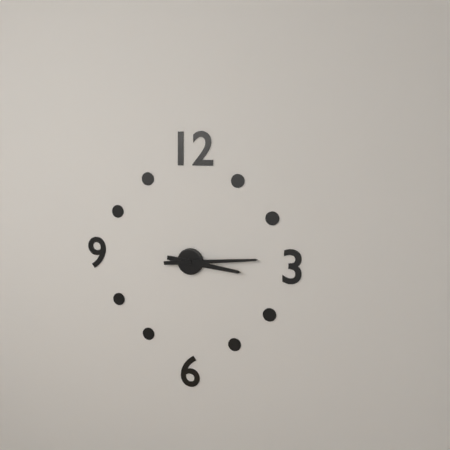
3.14
